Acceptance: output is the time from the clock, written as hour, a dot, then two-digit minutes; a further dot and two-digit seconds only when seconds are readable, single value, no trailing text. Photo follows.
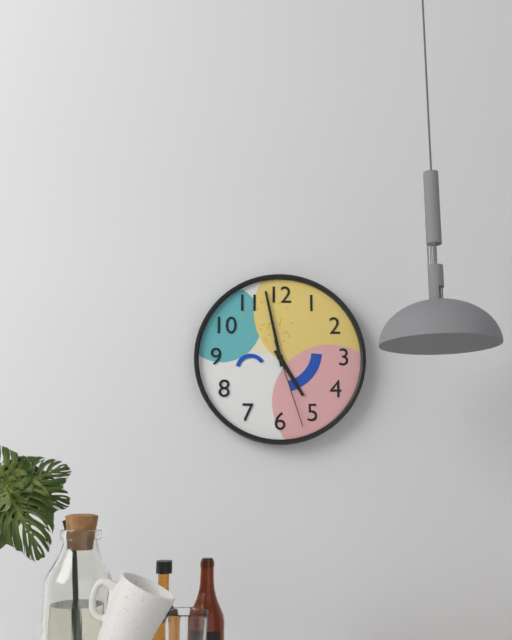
4.58.27
